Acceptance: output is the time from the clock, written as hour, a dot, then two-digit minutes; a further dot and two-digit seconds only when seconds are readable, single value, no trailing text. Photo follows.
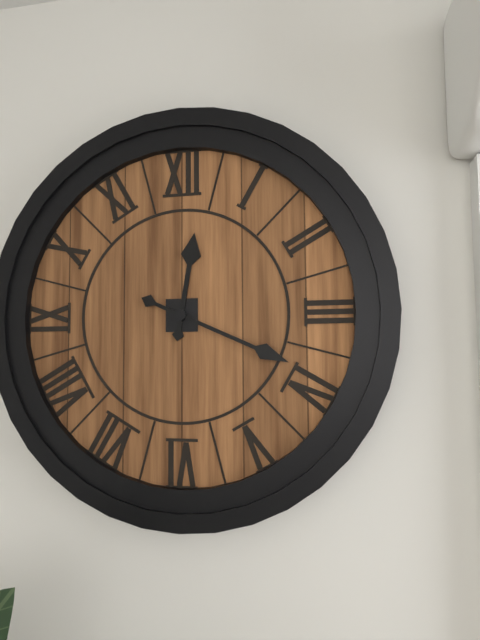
12.19
